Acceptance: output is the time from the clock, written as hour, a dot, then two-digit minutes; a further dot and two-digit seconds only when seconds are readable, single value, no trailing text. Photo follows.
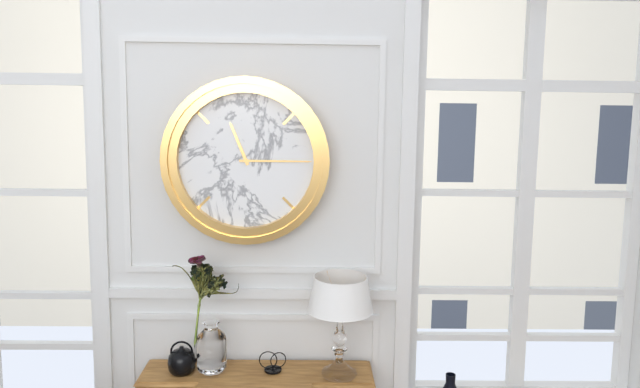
11.15
